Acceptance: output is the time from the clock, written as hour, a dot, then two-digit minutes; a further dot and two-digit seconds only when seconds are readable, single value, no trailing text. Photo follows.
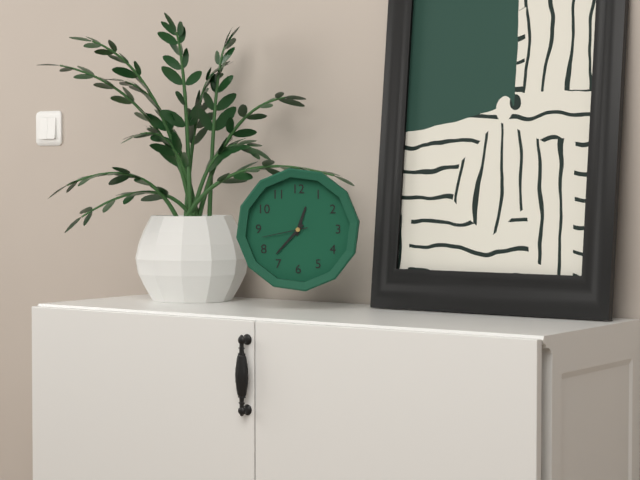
12.37
